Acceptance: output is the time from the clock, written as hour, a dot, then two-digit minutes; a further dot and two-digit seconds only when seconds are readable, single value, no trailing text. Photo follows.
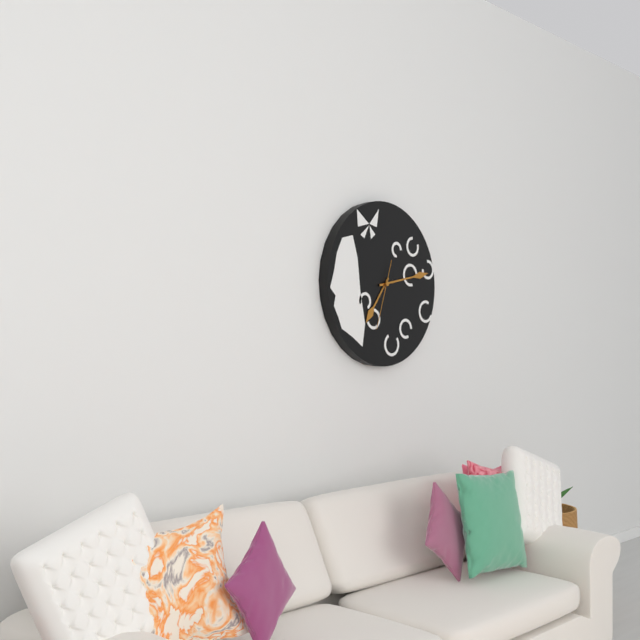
7.13.33
